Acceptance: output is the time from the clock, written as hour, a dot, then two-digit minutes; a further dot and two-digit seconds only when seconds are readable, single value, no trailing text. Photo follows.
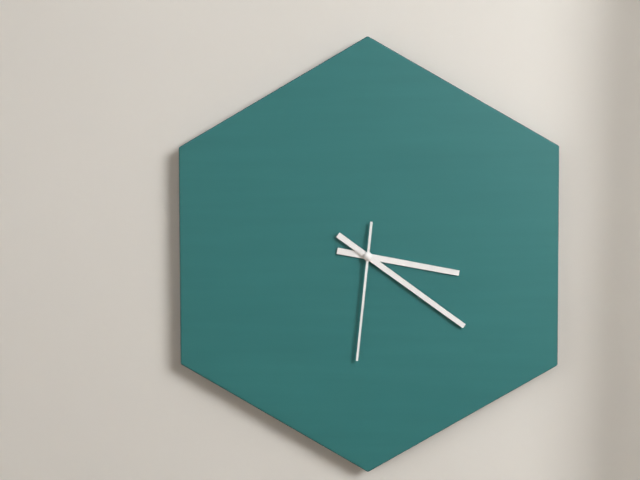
3.21.31
